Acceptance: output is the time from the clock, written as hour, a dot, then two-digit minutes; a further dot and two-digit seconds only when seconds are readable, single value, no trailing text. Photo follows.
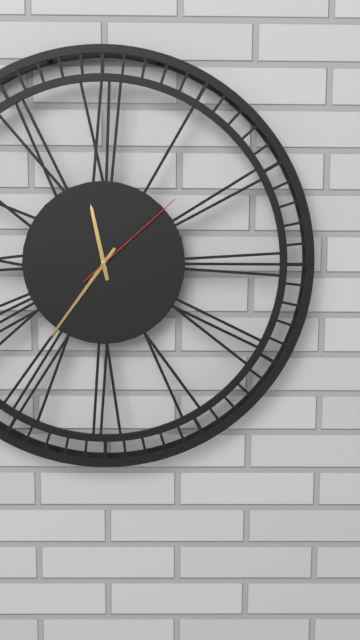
11.36.08
